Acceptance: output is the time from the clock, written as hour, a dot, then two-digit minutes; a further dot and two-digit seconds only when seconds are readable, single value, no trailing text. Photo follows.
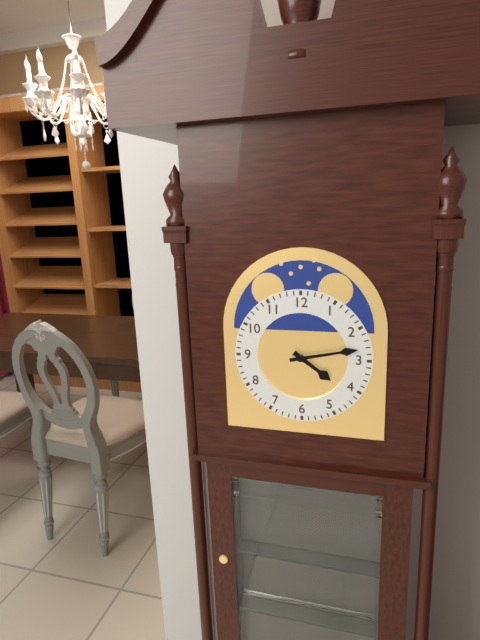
4.13
